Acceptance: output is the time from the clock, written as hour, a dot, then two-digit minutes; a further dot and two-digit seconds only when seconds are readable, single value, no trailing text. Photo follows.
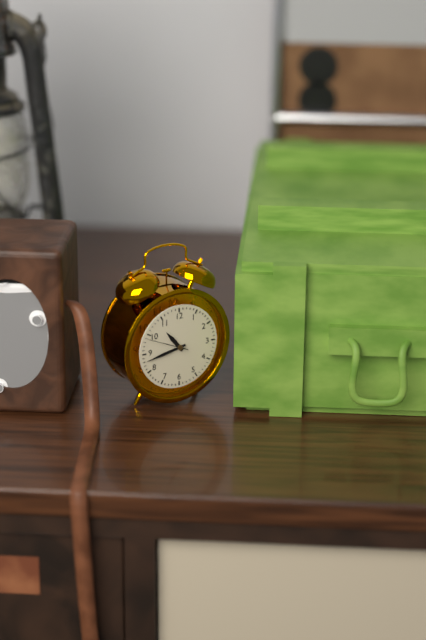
10.43
